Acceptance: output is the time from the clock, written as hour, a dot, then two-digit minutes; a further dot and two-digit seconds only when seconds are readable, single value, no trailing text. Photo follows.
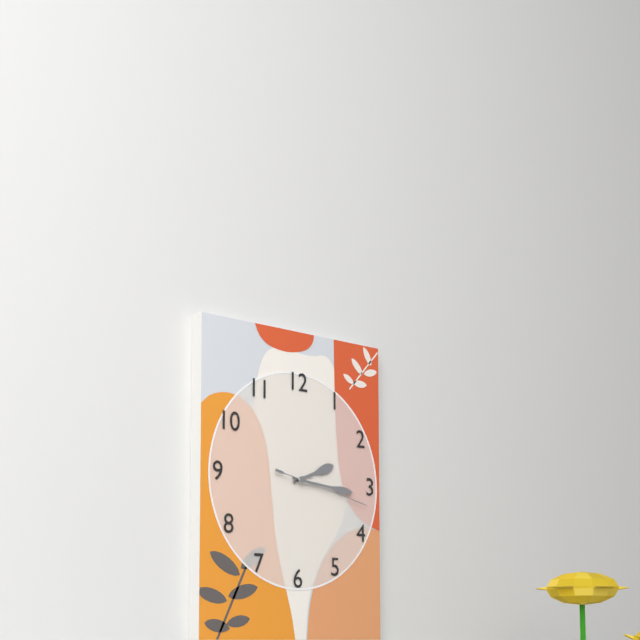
2.16.17
